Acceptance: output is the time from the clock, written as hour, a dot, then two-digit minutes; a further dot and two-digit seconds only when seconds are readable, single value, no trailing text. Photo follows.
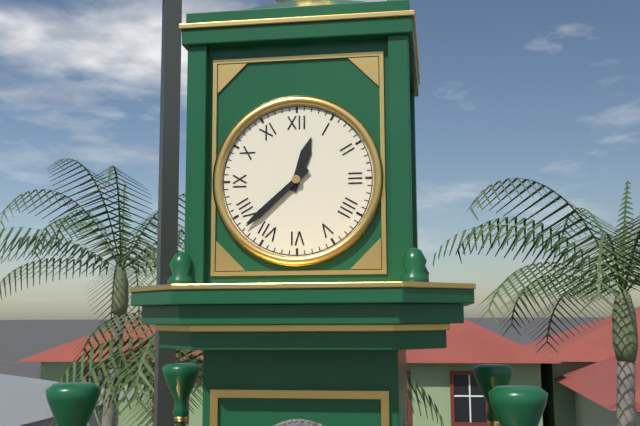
12.38
